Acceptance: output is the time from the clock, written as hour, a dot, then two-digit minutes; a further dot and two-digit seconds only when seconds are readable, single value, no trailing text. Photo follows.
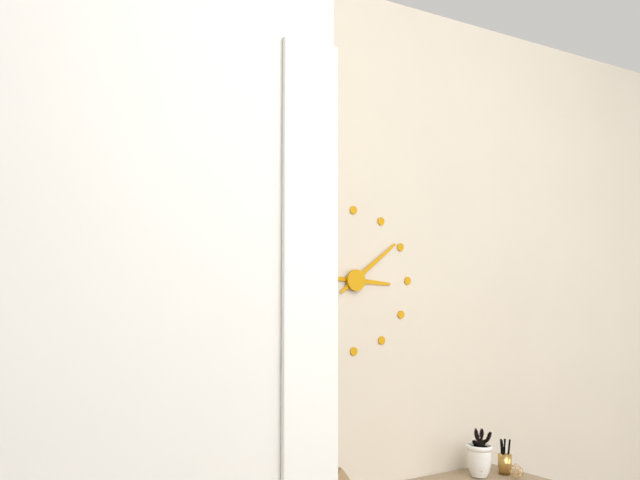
3.09
